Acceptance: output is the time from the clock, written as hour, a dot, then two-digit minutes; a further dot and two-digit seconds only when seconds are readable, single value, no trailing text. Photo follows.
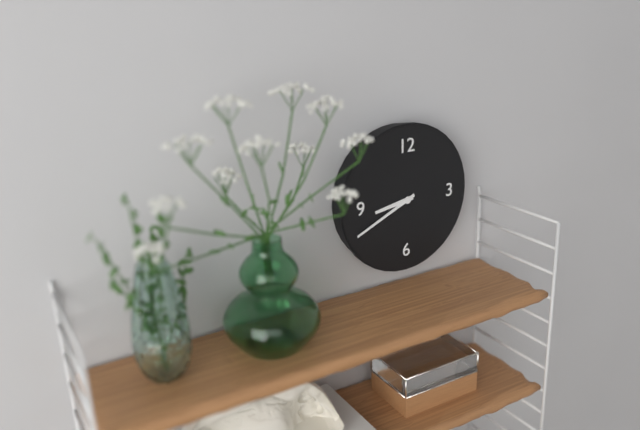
8.41
